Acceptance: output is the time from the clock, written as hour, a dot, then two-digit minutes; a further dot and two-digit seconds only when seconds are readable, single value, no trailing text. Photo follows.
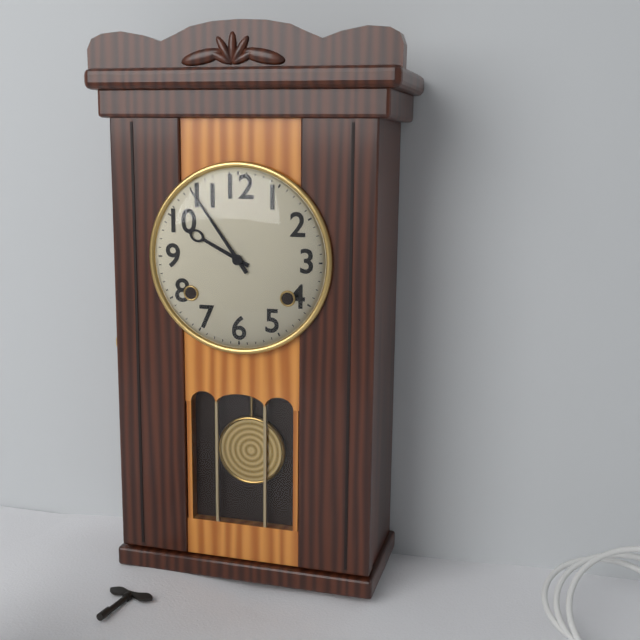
9.54
